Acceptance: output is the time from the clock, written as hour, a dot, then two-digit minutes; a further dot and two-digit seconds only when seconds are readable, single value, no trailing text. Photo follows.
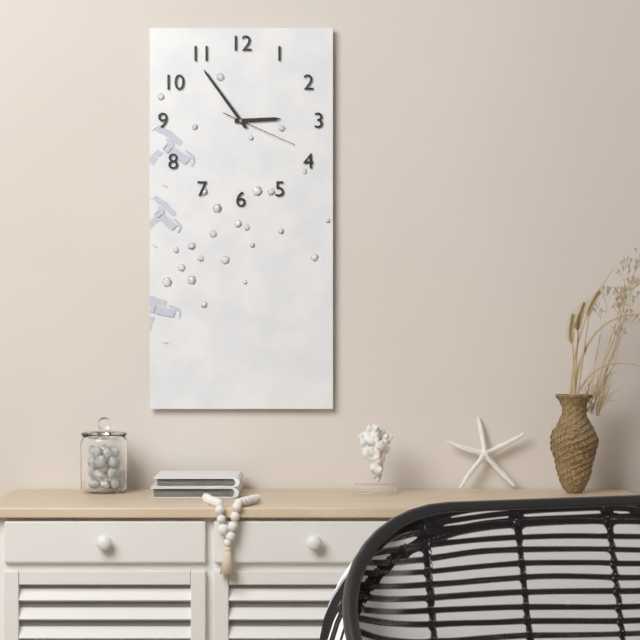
2.54.19
